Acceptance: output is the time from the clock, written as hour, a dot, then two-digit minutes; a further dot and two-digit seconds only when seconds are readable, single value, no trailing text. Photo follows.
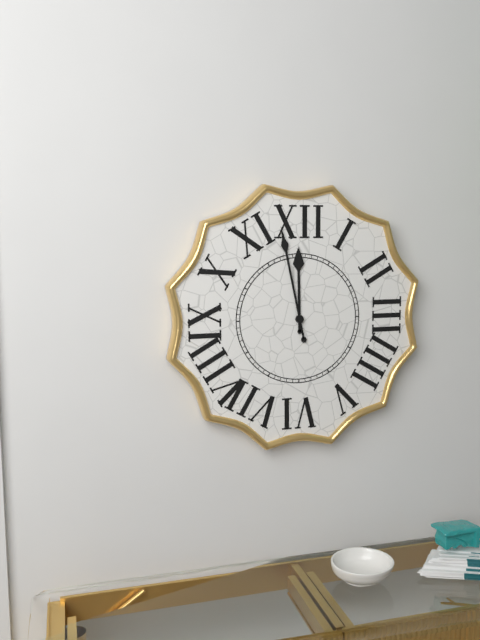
11.58
